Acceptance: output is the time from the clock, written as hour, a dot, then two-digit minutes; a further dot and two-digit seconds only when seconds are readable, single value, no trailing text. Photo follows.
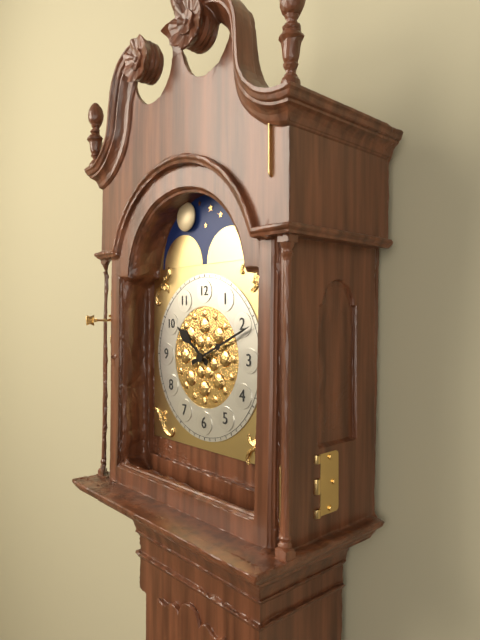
10.11
